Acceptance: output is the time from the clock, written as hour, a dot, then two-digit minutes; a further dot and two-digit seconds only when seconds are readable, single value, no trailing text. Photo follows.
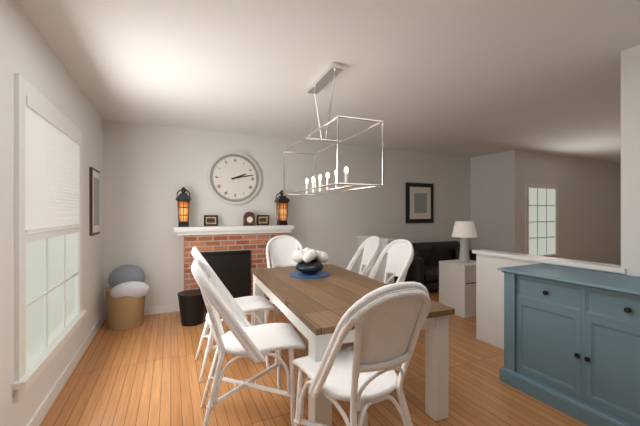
2.13
